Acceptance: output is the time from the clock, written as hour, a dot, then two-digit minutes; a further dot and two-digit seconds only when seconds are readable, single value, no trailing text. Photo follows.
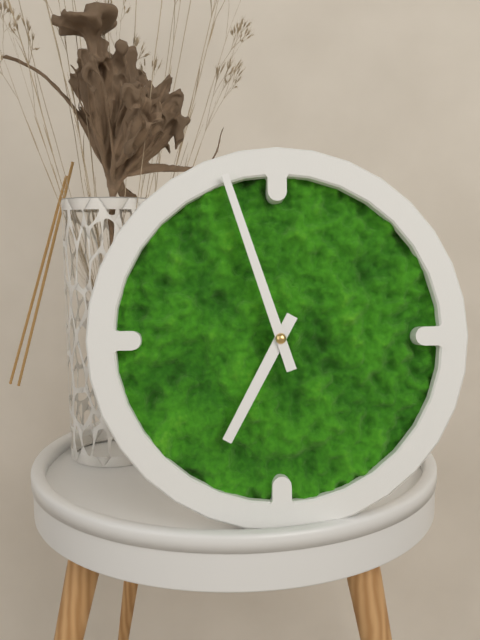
6.57
